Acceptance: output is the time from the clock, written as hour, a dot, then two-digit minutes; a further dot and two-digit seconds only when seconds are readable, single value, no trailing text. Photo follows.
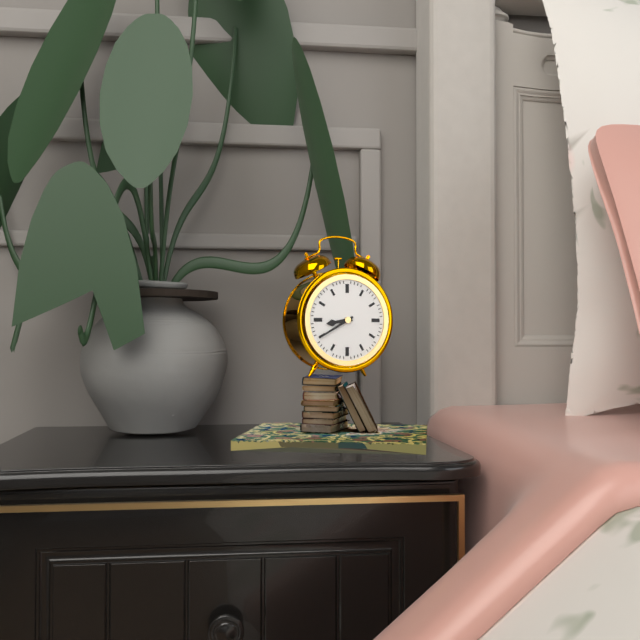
8.40
